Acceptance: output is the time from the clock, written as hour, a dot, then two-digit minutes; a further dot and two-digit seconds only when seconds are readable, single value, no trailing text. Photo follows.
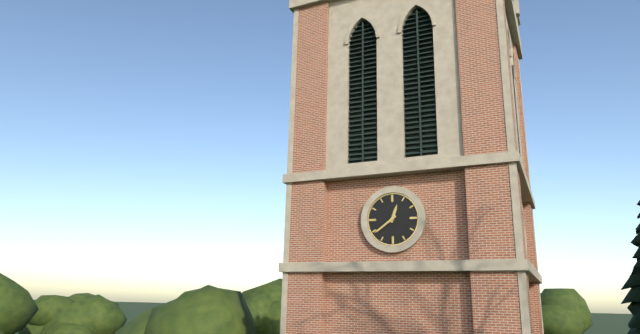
12.39
